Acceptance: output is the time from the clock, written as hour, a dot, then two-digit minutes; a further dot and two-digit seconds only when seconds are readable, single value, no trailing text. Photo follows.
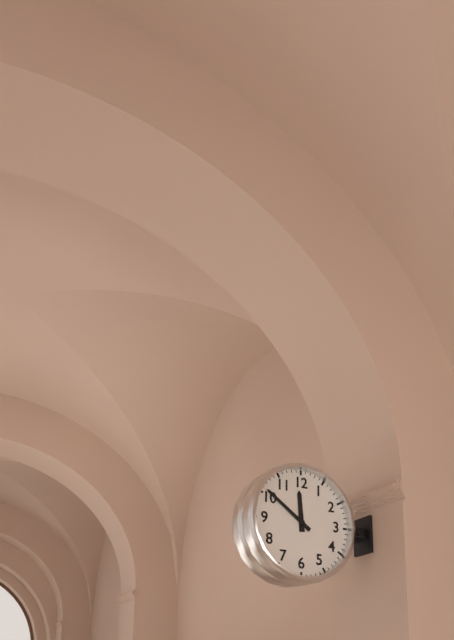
11.51
